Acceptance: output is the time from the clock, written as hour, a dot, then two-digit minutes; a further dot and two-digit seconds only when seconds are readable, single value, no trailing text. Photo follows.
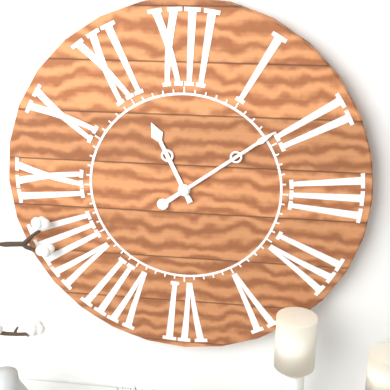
11.09
